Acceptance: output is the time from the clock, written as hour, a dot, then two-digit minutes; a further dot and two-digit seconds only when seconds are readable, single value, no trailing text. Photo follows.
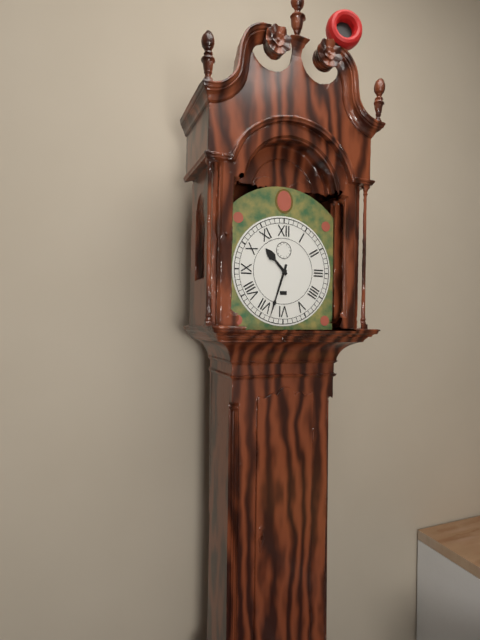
10.33
